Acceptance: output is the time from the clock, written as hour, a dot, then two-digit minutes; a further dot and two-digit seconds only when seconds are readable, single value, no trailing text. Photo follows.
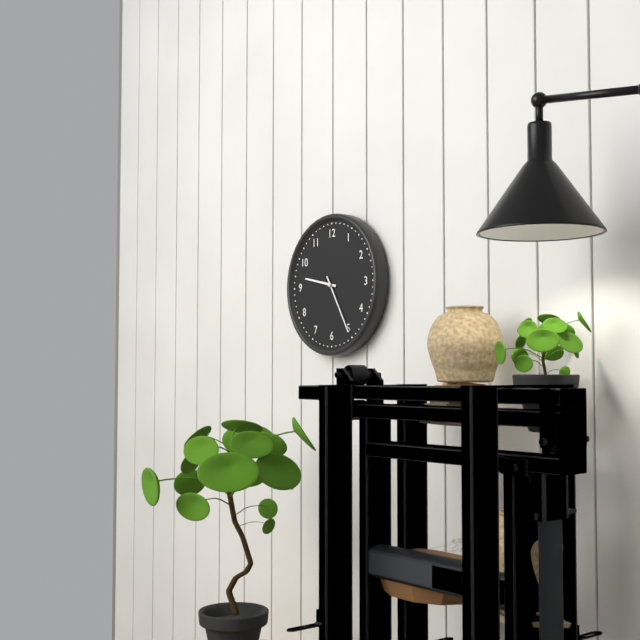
9.25
